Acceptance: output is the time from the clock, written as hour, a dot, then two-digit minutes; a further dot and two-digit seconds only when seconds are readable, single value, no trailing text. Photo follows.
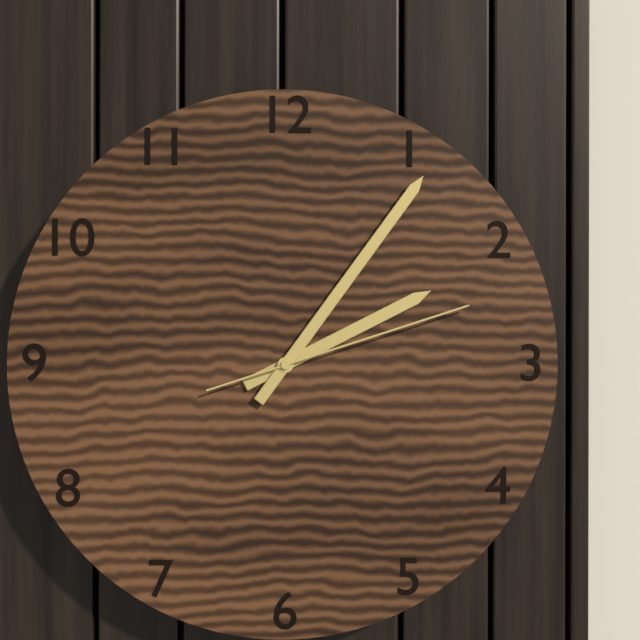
2.06.12
